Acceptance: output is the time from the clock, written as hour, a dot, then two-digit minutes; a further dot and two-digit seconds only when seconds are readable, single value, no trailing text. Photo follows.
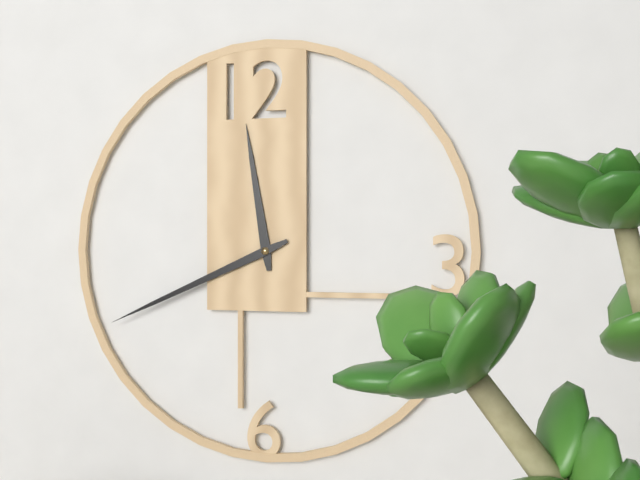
11.41
